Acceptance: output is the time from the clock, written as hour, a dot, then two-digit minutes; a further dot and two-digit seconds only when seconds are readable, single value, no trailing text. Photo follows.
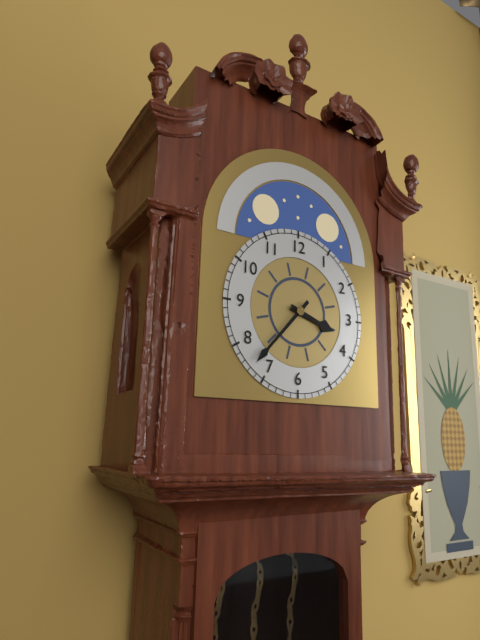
3.37
